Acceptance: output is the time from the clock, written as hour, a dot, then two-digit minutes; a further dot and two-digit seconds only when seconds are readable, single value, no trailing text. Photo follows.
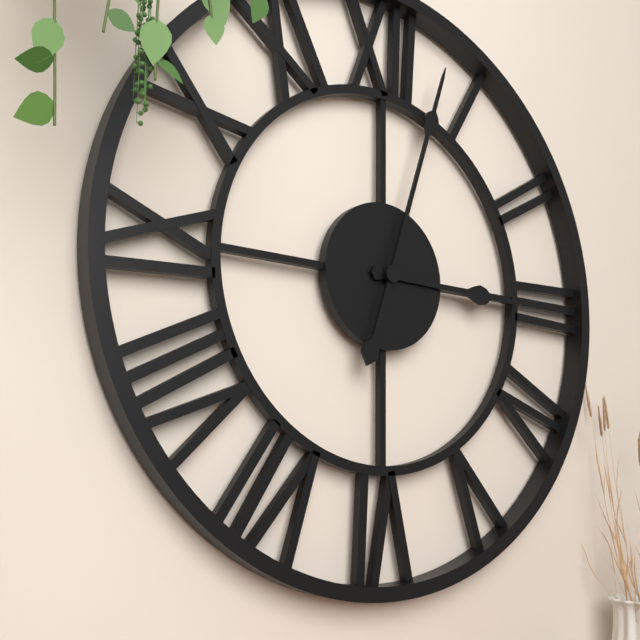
3.03
